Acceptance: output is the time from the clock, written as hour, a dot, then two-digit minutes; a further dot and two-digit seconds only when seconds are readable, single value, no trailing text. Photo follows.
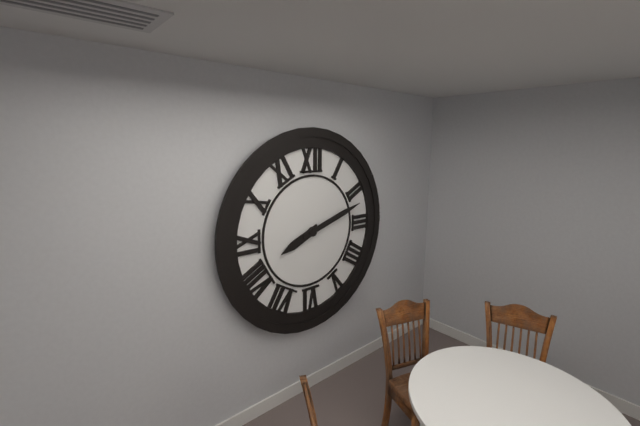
8.12
